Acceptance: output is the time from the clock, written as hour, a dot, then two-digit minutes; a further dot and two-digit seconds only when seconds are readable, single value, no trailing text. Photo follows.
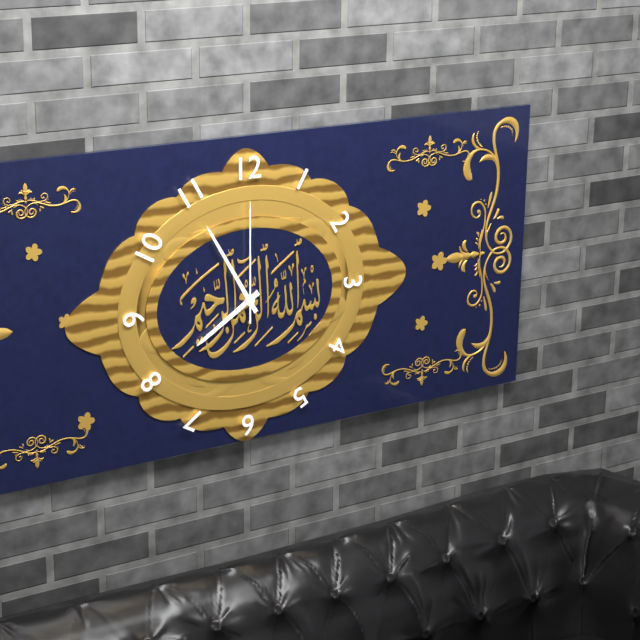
7.55.00
